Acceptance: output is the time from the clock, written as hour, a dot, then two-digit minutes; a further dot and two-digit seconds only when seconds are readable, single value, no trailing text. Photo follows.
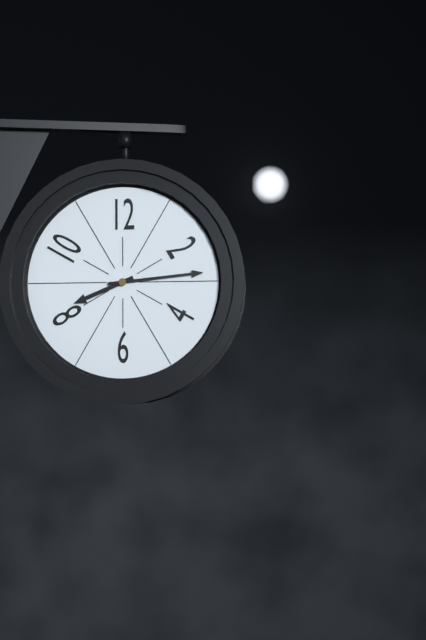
8.14
